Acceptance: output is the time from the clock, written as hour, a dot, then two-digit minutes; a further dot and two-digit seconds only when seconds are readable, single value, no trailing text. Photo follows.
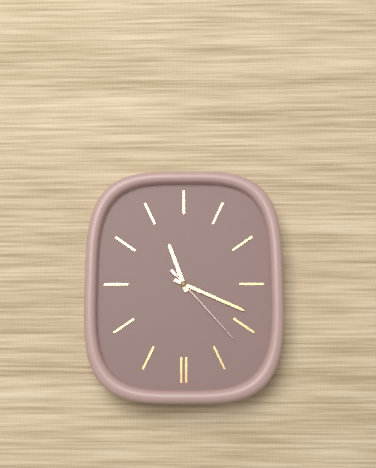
11.19.23
